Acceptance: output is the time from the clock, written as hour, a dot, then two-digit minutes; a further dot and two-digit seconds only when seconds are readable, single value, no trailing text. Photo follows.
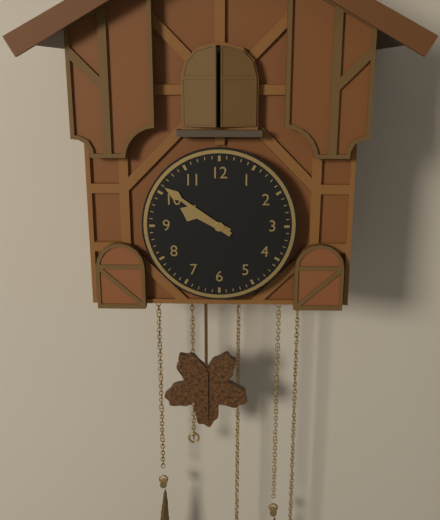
9.51
